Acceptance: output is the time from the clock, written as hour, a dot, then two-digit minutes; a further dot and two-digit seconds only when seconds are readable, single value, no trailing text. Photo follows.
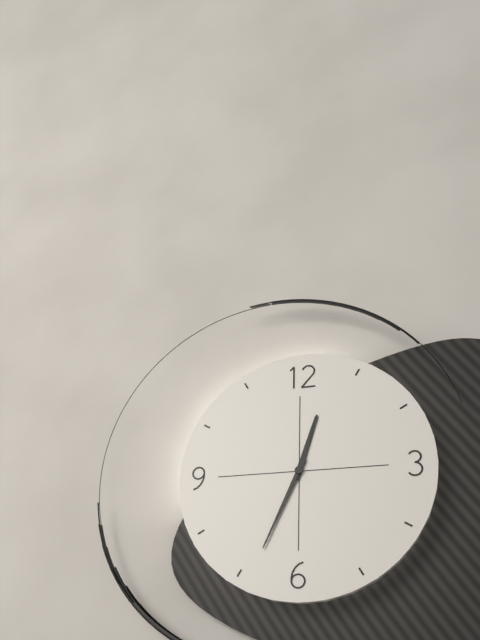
12.34
